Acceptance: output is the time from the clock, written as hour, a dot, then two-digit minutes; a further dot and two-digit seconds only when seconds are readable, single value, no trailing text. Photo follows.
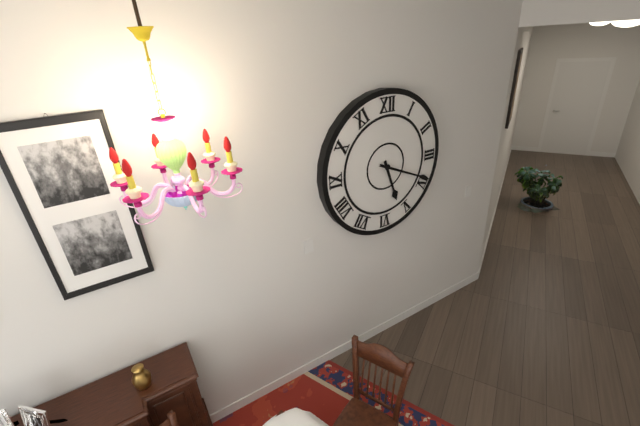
5.19
